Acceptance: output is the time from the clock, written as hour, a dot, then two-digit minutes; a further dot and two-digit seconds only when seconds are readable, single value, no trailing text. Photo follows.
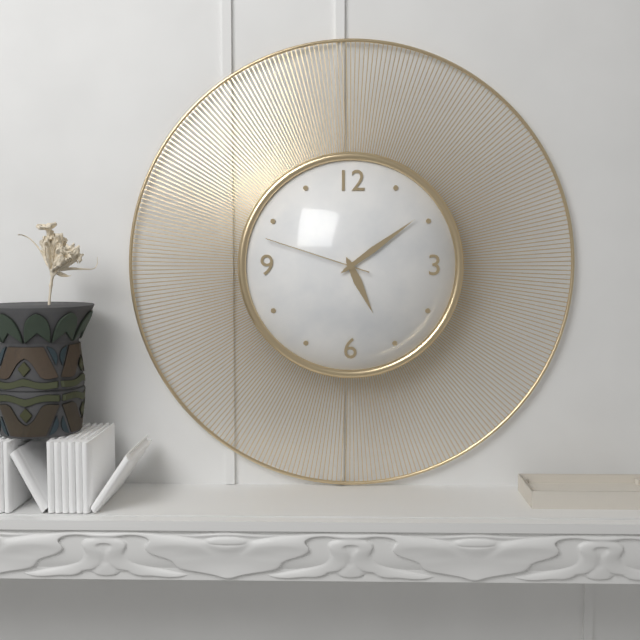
5.09.48
